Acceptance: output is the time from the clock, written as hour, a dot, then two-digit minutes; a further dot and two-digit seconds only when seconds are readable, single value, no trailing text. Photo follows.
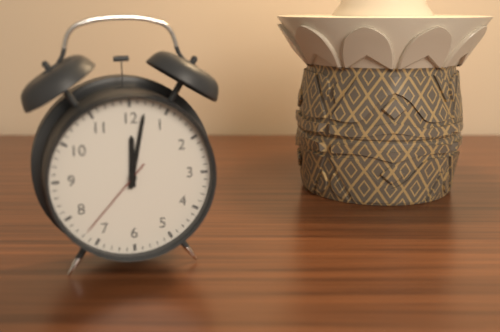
12.02.37
